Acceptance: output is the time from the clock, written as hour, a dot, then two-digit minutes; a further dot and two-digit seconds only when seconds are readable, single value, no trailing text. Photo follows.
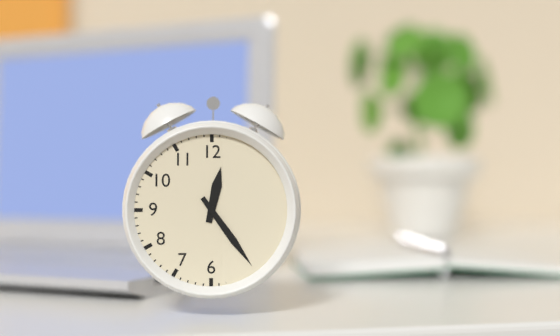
12.24
